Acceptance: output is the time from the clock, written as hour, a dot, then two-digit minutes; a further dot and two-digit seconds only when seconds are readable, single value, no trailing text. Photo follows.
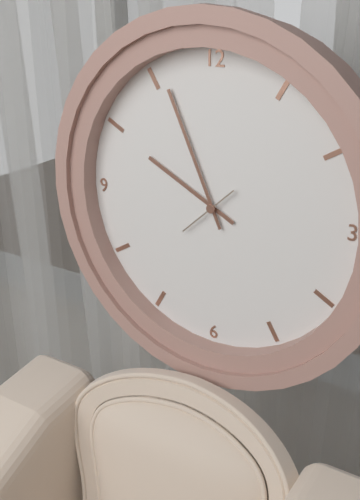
9.56
